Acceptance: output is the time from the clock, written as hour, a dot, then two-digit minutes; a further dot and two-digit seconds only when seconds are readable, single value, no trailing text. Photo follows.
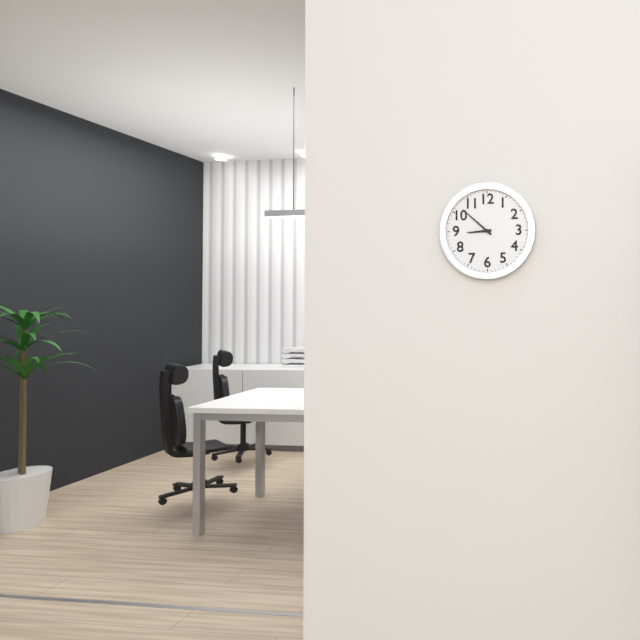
8.52
